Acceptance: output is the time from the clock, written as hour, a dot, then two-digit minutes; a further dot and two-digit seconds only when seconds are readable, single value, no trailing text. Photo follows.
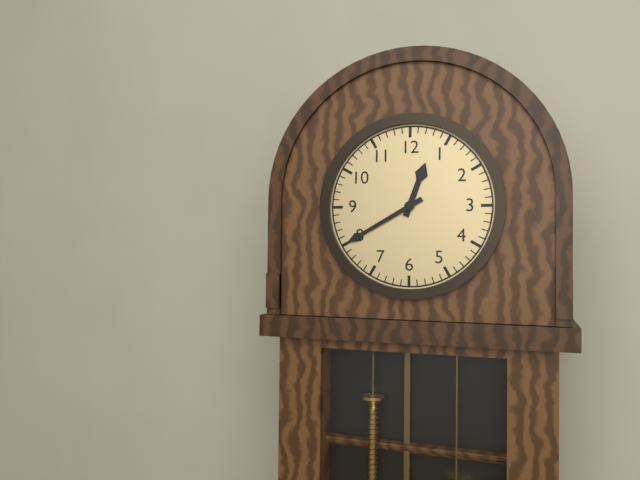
12.40
